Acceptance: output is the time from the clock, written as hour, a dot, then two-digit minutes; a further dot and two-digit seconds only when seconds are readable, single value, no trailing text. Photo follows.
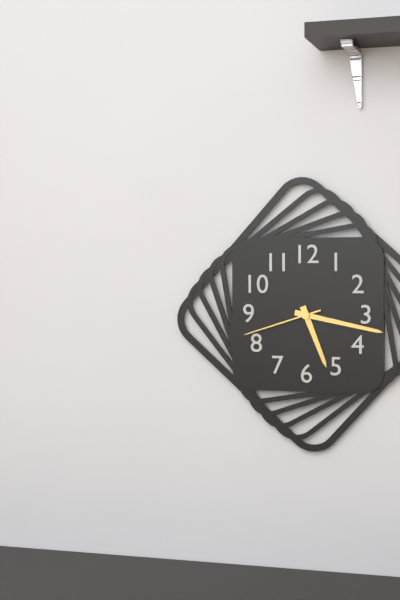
5.17.42
